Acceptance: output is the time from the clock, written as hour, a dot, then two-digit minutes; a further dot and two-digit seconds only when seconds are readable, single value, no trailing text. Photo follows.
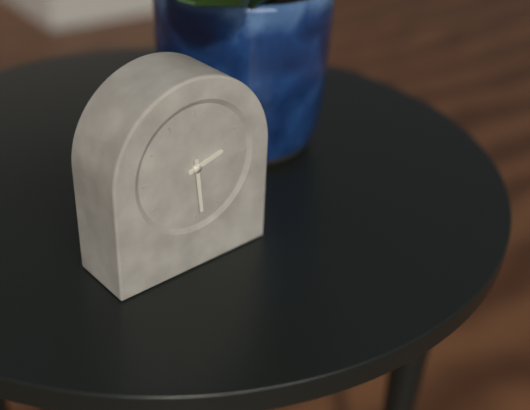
2.29
